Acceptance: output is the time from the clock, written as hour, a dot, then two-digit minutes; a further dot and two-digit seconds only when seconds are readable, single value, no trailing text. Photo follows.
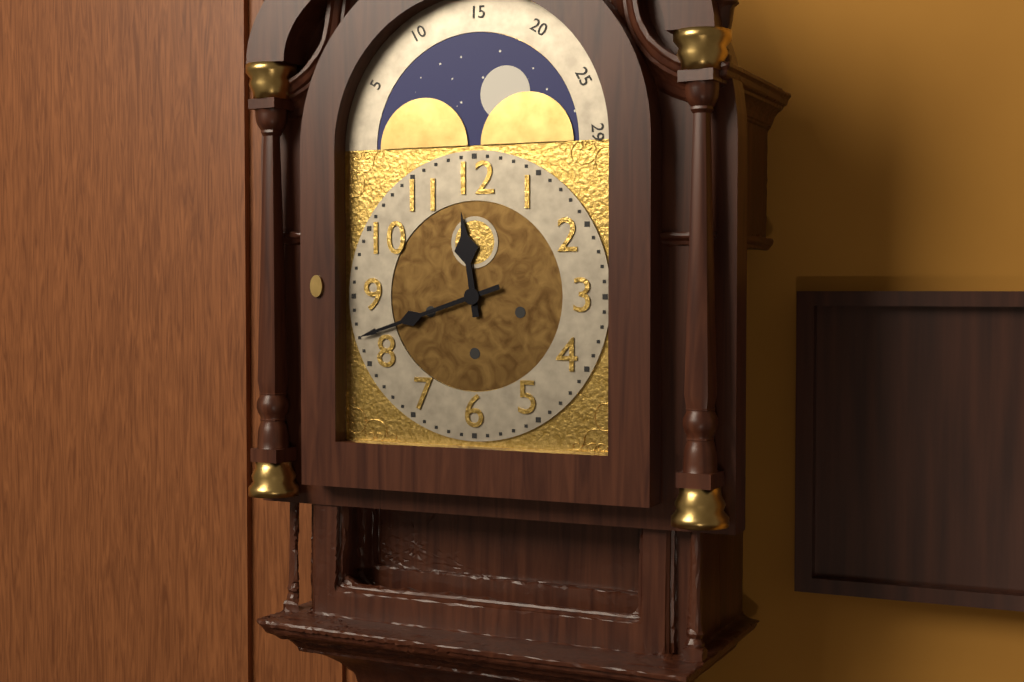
11.42
